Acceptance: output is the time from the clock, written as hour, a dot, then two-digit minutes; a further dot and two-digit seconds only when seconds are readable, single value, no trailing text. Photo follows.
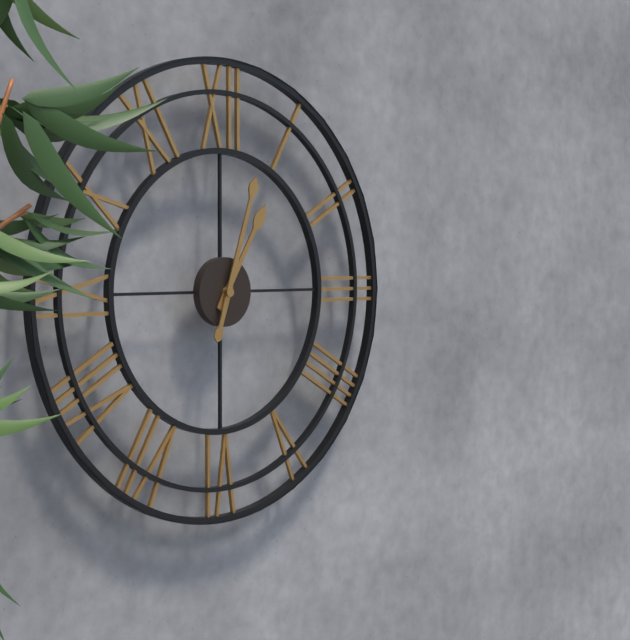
1.03
